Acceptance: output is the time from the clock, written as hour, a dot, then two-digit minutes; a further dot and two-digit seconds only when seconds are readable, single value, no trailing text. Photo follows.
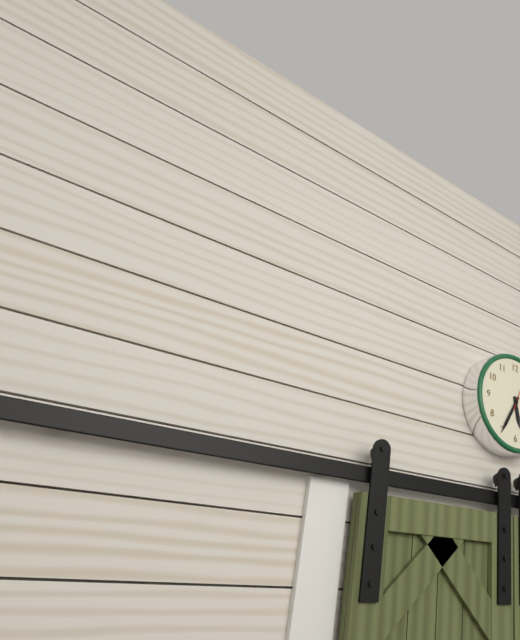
5.35
